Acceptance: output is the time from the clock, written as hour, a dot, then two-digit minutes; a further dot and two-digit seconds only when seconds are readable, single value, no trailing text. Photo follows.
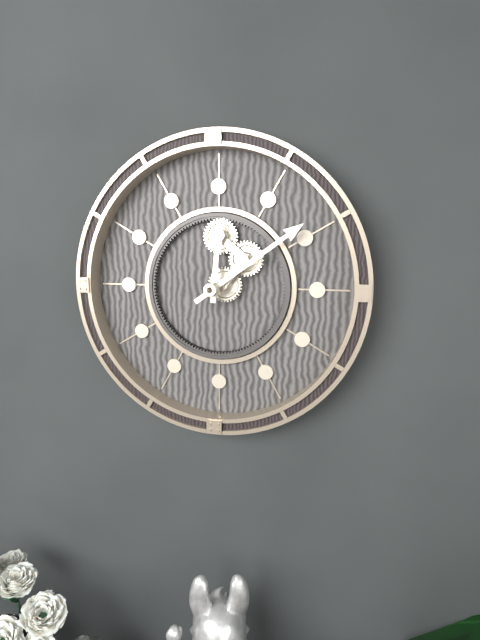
12.09
